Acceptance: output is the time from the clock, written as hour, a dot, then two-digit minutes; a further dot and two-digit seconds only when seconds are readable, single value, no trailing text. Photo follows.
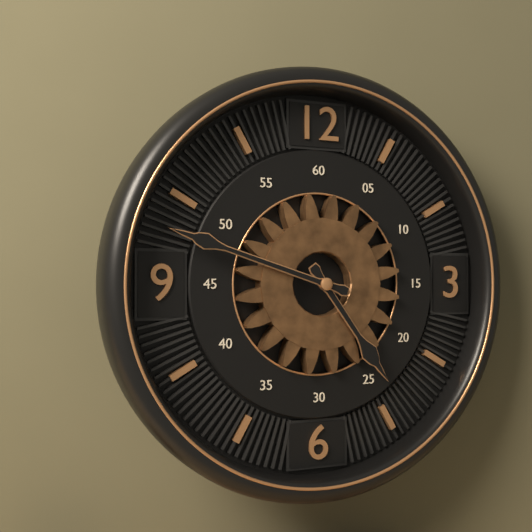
4.48
